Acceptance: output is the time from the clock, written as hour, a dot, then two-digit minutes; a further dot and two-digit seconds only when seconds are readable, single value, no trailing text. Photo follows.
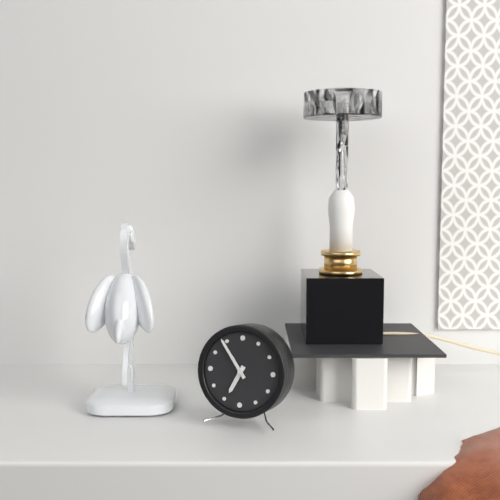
6.54
